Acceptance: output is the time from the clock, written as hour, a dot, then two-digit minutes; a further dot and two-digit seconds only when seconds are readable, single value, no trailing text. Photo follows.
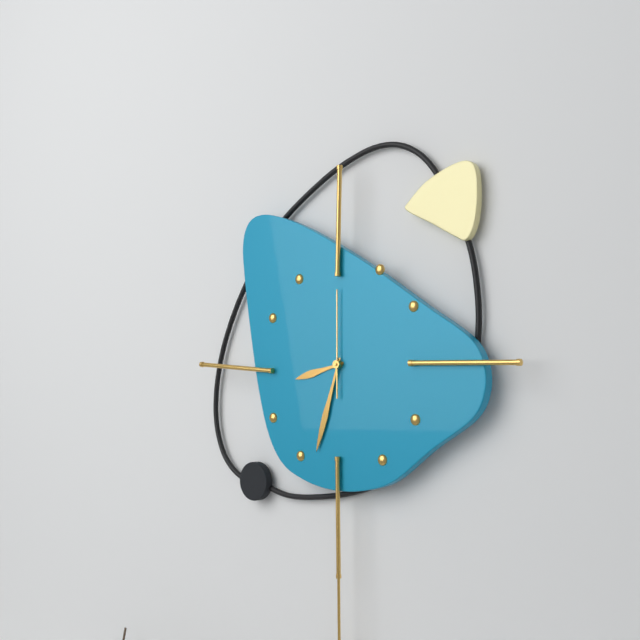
8.33.00
